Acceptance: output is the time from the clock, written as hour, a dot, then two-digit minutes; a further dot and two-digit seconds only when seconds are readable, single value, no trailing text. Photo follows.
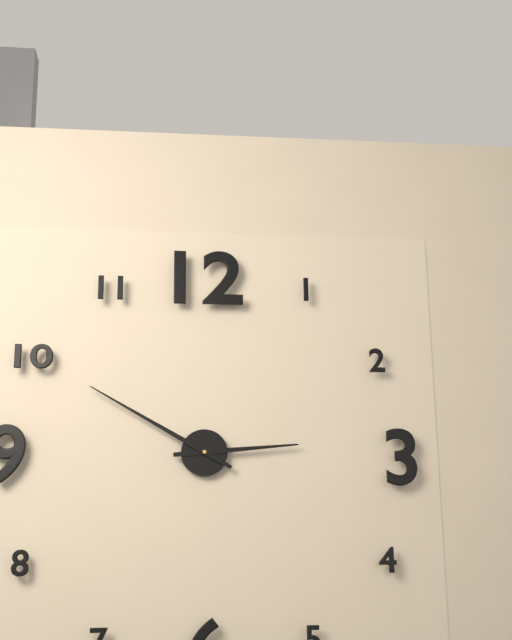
2.50
